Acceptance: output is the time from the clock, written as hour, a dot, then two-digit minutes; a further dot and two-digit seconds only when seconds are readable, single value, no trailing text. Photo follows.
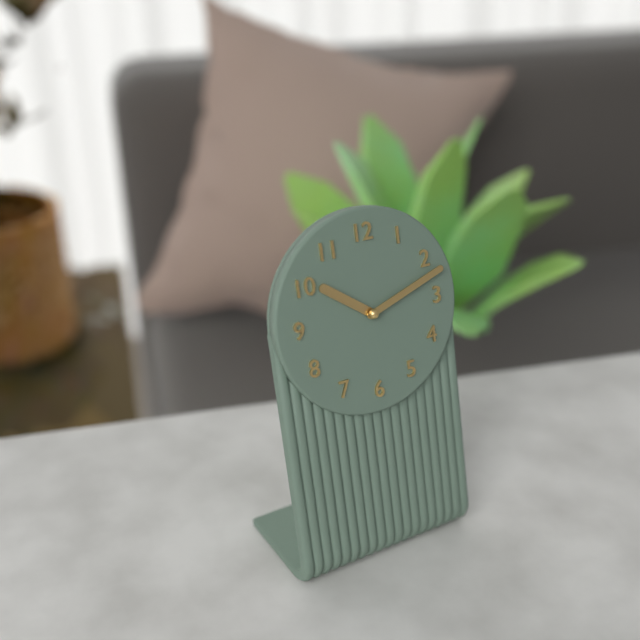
10.12
